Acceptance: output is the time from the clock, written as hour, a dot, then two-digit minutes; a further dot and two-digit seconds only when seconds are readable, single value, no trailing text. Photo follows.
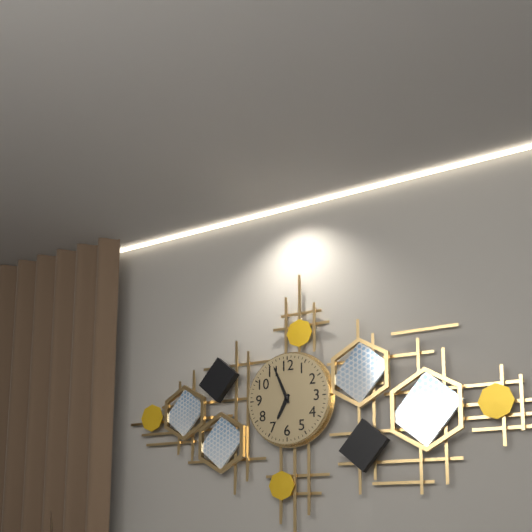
6.56
